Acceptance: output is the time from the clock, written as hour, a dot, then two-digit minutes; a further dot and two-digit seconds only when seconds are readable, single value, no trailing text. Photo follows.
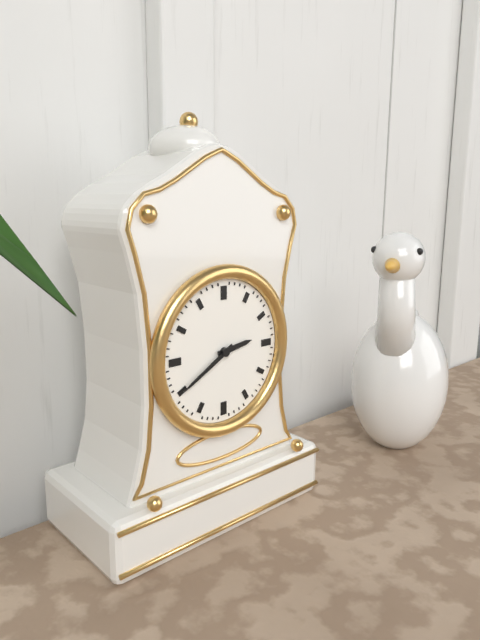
2.40
